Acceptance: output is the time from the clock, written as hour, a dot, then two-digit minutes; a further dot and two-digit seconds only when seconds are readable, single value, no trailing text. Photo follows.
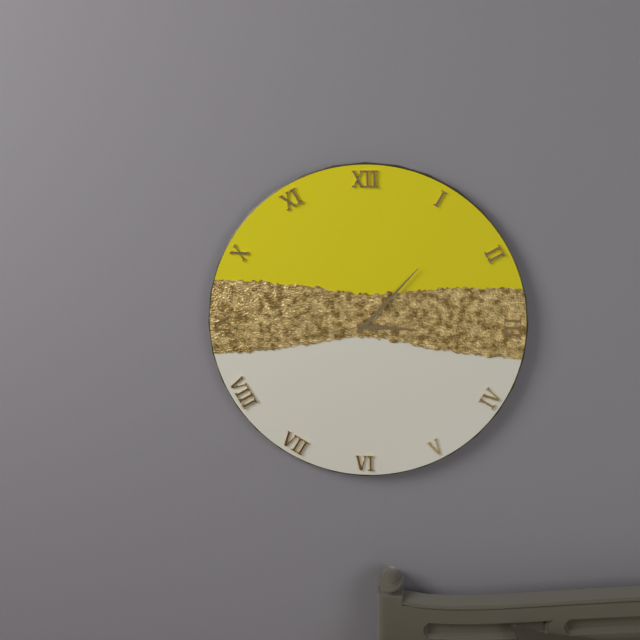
3.07.43
